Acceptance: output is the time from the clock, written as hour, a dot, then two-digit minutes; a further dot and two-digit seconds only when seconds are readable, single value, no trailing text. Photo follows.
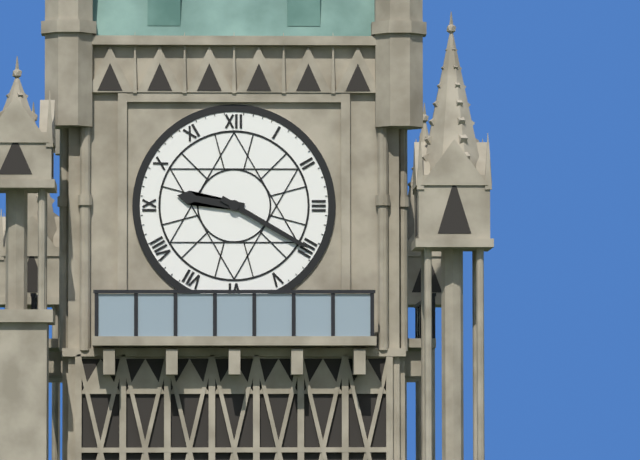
9.20
